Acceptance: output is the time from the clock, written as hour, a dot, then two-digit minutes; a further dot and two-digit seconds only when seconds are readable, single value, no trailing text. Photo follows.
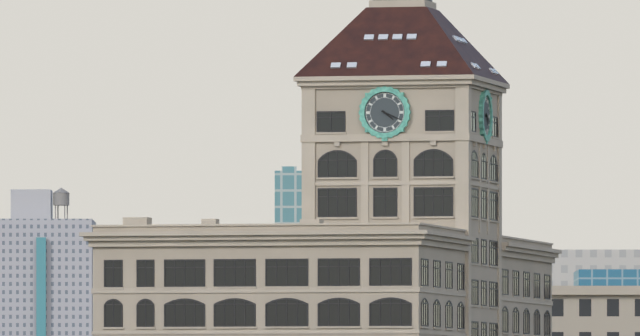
4.19
